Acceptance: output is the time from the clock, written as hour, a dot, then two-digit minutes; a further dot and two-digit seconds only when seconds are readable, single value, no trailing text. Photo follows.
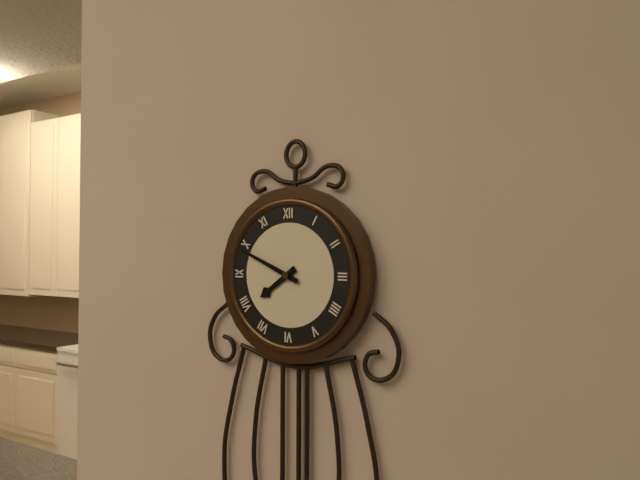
7.49
